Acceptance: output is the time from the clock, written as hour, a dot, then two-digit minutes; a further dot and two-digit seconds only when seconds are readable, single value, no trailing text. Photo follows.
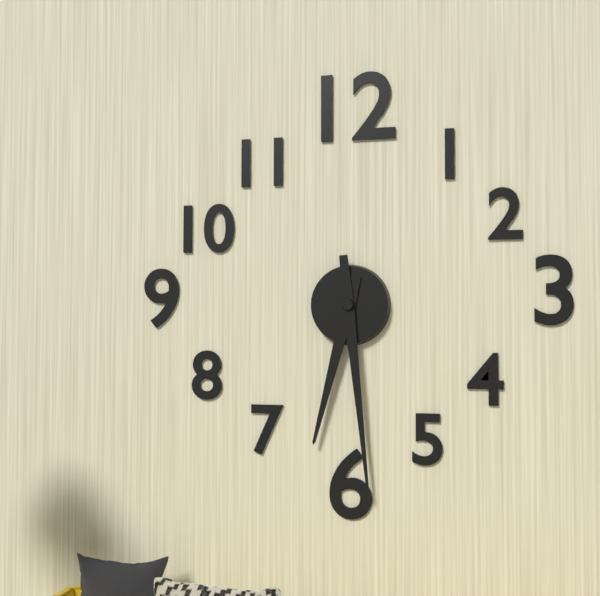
6.29
